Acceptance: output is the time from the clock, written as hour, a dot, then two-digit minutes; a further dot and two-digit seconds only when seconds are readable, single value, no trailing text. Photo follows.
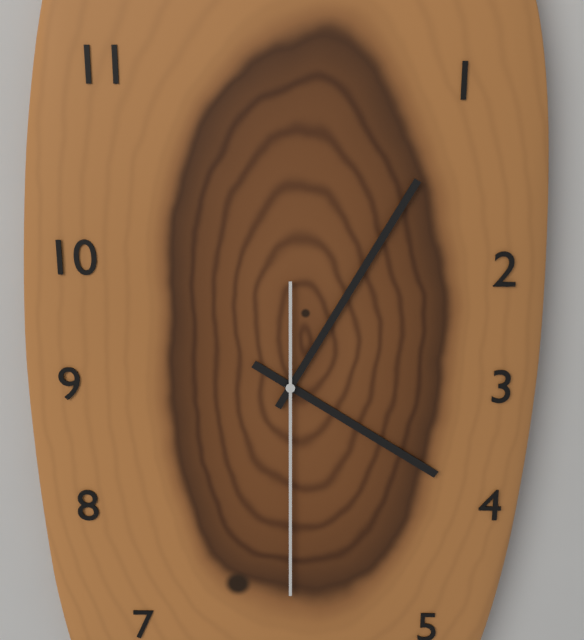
4.05.30
